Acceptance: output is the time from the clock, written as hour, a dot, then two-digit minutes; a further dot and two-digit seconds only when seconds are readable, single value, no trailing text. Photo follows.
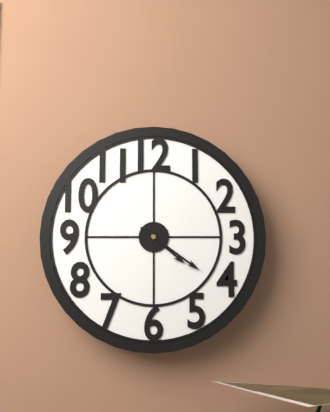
4.21
